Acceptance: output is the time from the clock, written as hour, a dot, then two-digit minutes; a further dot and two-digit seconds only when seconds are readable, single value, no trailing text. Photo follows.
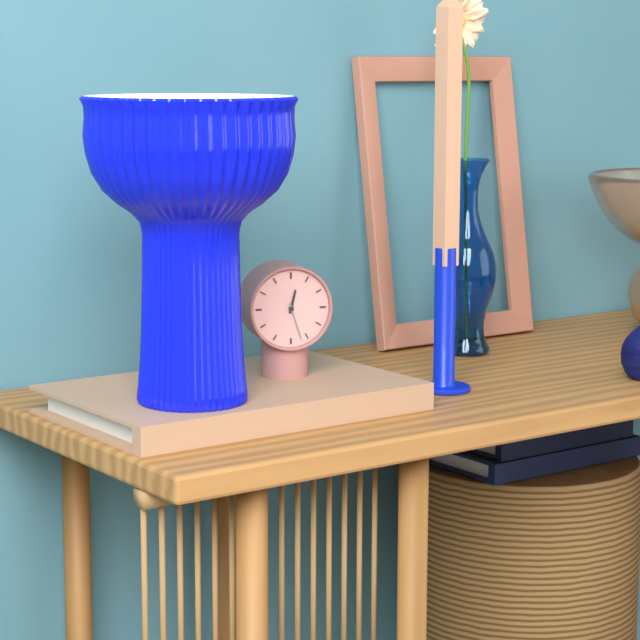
12.27
